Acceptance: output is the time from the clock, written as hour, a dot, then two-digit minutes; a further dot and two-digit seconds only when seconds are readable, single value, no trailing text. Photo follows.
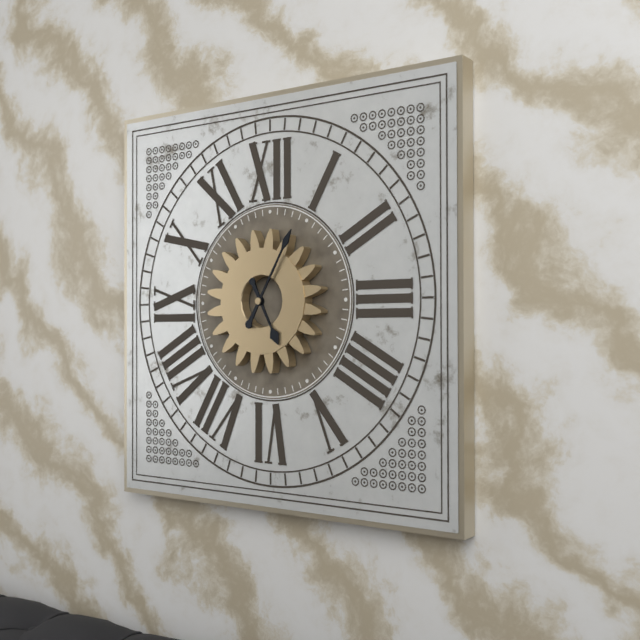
5.05
